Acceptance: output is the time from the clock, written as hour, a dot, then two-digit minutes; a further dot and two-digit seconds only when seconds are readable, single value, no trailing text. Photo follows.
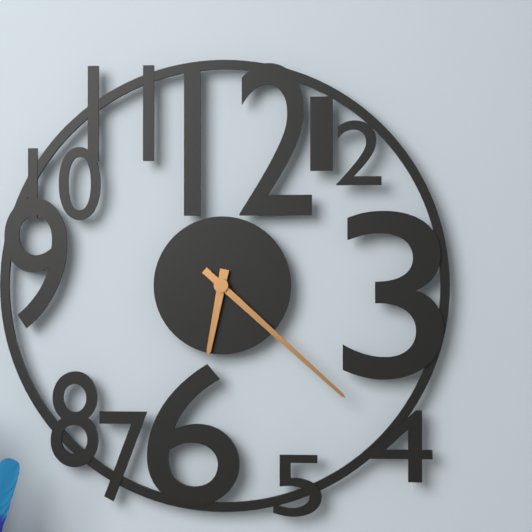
6.22
